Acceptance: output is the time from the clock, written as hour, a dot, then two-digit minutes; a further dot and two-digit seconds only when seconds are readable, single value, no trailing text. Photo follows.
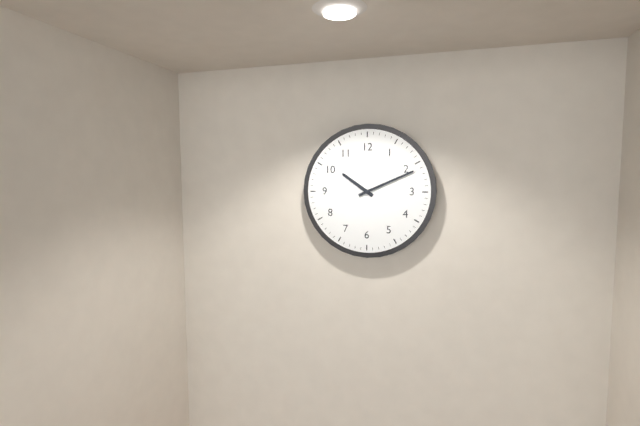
10.11
